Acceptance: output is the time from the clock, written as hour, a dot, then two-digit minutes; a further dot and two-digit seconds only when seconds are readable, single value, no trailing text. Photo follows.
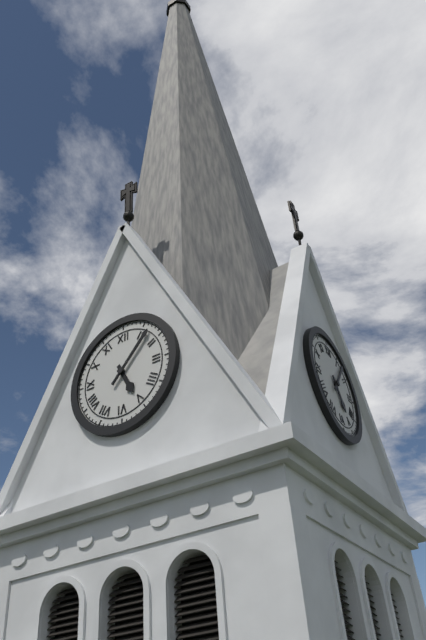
5.07
